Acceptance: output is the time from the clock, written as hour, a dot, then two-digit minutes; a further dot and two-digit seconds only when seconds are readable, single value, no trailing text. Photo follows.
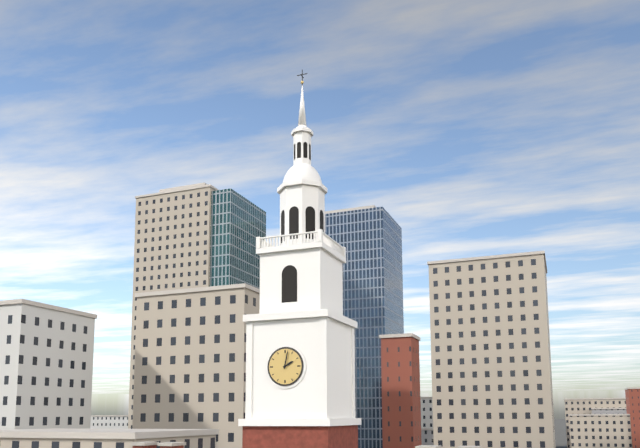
2.02
